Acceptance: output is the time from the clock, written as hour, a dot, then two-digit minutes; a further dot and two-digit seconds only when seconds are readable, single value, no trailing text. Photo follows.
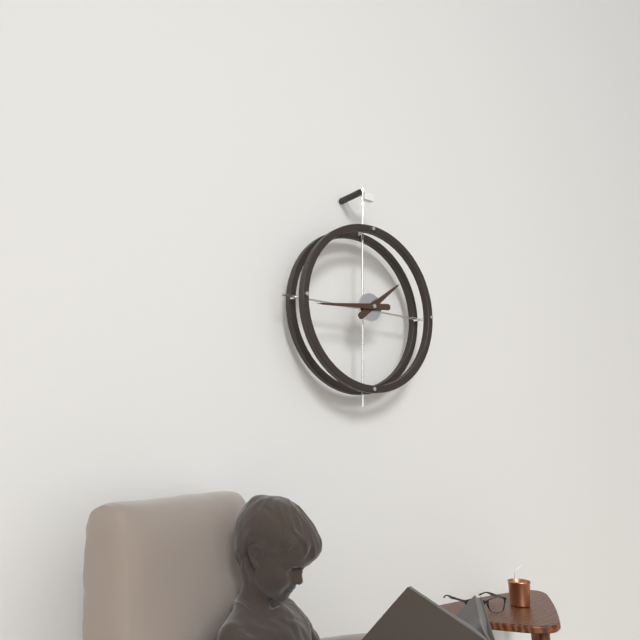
1.44
